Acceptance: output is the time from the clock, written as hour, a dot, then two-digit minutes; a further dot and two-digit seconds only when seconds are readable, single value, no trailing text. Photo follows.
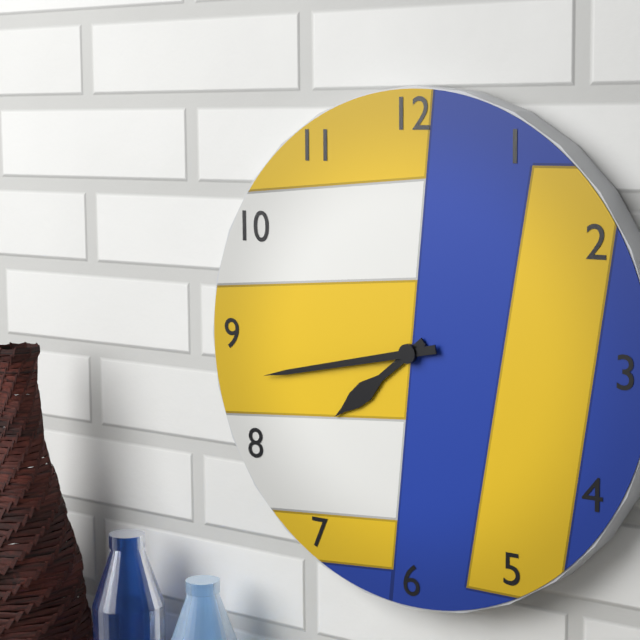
7.43
